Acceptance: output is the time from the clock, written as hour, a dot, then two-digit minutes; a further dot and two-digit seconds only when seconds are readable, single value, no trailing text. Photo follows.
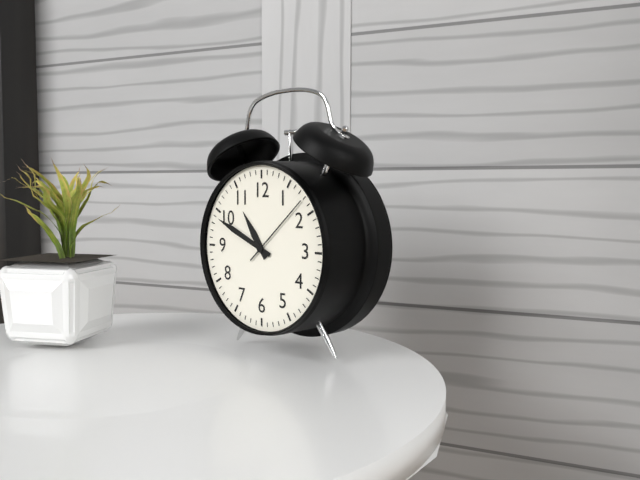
10.49.08
